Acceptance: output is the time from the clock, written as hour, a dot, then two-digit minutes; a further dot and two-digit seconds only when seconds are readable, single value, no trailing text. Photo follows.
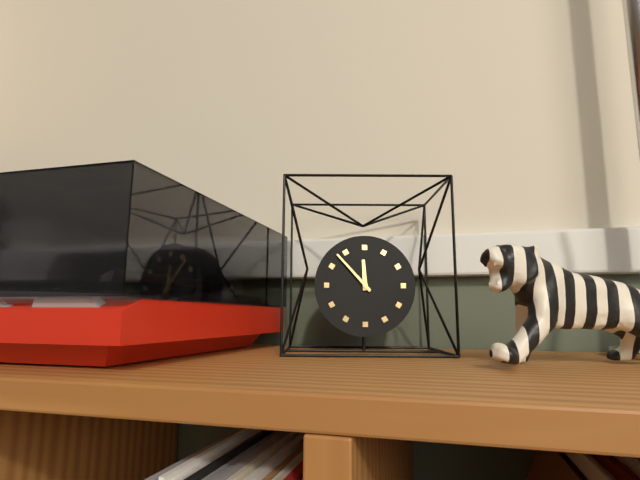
11.53
